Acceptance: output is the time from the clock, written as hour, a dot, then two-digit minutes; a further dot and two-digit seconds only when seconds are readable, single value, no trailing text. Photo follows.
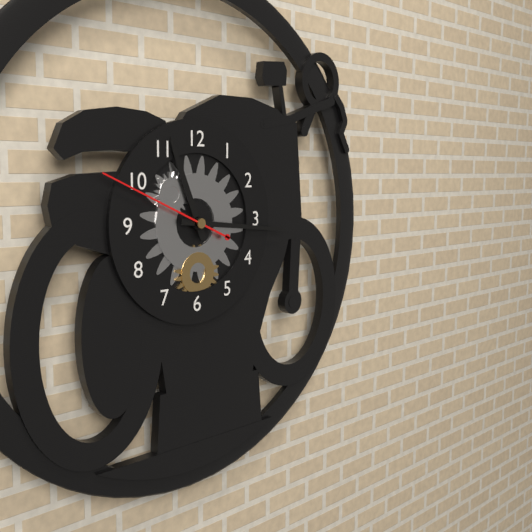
11.16.49
